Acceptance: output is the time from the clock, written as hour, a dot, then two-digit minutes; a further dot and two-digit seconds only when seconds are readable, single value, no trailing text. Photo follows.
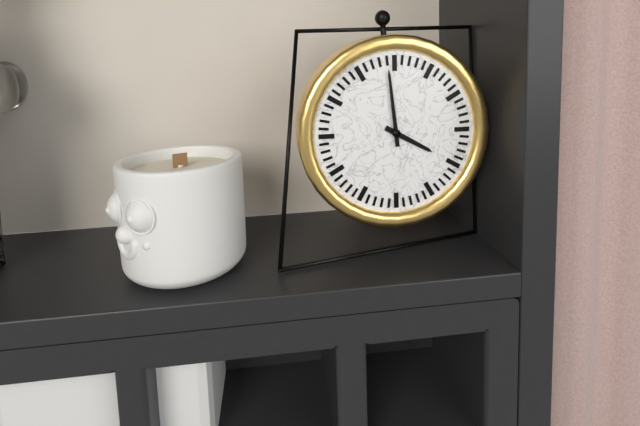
3.59
